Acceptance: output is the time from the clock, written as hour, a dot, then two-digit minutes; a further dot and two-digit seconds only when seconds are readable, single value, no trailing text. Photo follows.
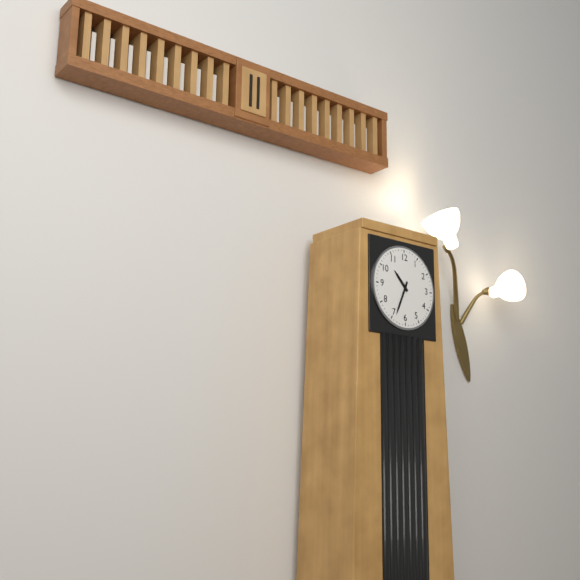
10.34
